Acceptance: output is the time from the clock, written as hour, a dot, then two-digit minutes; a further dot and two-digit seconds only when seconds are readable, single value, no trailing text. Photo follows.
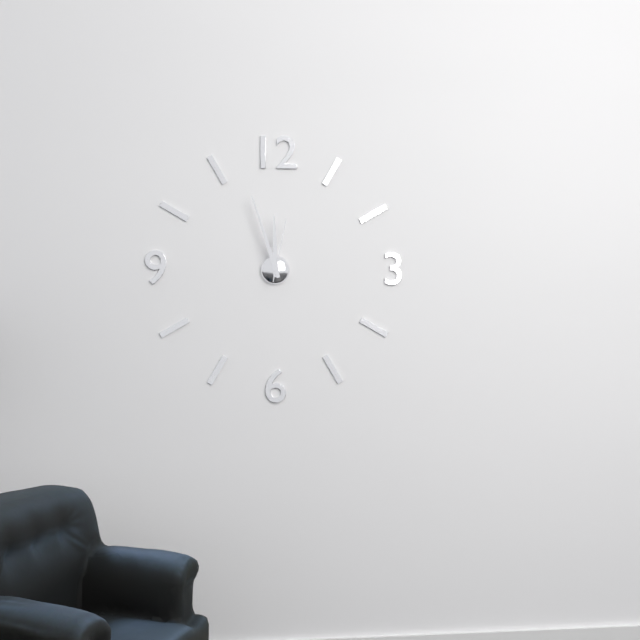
11.57.02
